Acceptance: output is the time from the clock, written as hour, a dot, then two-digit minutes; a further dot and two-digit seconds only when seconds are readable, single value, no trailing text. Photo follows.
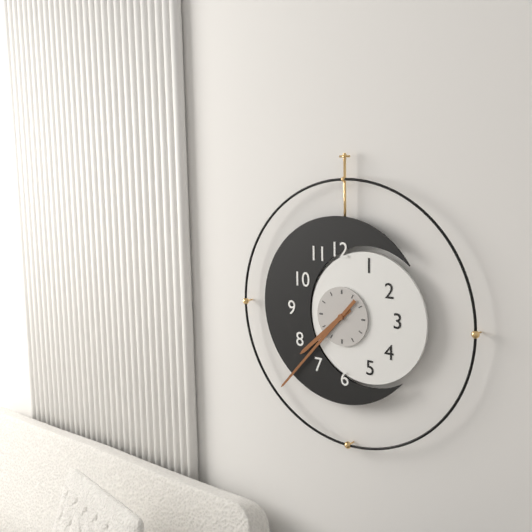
7.37
